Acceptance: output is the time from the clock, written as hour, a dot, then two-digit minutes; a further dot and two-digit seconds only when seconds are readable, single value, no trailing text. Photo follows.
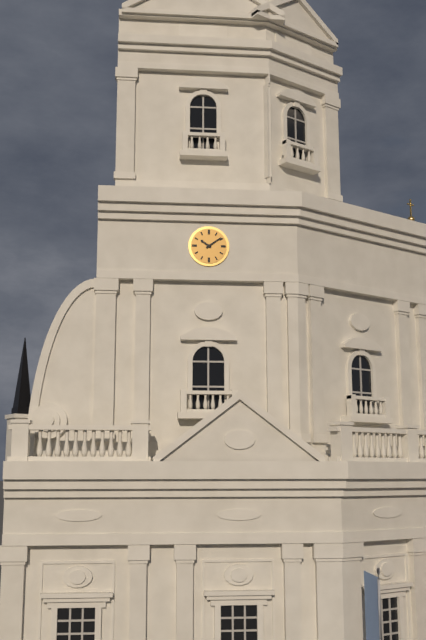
10.09
